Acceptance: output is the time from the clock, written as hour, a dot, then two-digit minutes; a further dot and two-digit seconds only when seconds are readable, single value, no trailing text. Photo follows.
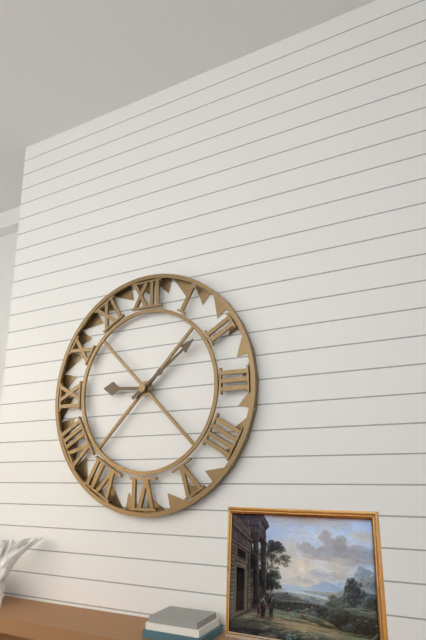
9.09
